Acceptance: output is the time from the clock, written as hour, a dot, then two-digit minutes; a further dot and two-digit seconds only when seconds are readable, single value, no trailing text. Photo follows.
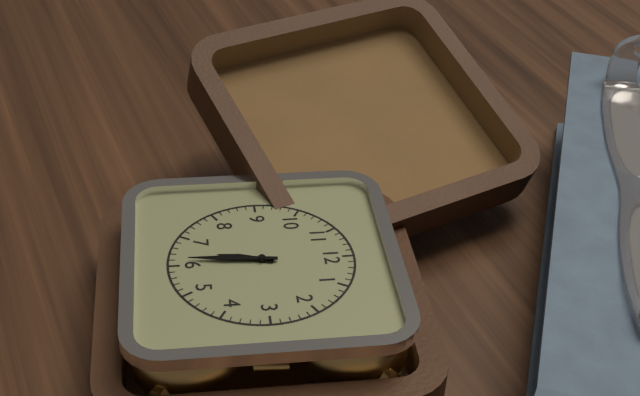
6.31
